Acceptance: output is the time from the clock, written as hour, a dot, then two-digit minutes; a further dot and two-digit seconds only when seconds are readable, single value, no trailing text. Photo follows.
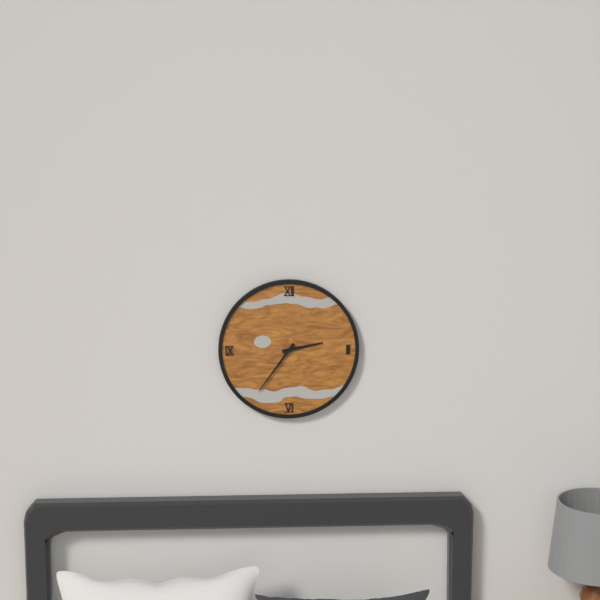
2.36
